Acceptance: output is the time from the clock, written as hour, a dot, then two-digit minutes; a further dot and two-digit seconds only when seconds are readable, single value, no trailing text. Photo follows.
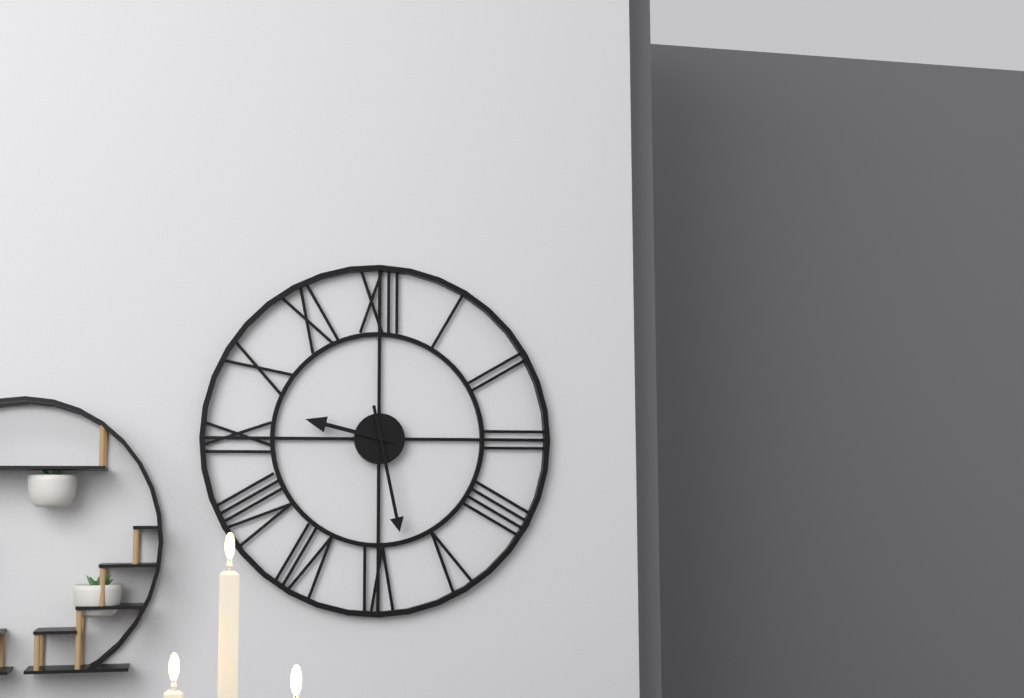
9.28
